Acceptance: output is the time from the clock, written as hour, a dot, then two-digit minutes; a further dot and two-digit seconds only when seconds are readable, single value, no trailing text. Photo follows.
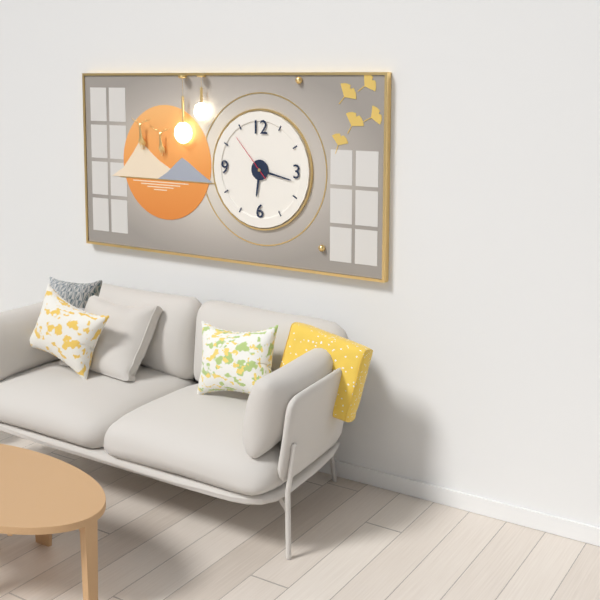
6.17.53
